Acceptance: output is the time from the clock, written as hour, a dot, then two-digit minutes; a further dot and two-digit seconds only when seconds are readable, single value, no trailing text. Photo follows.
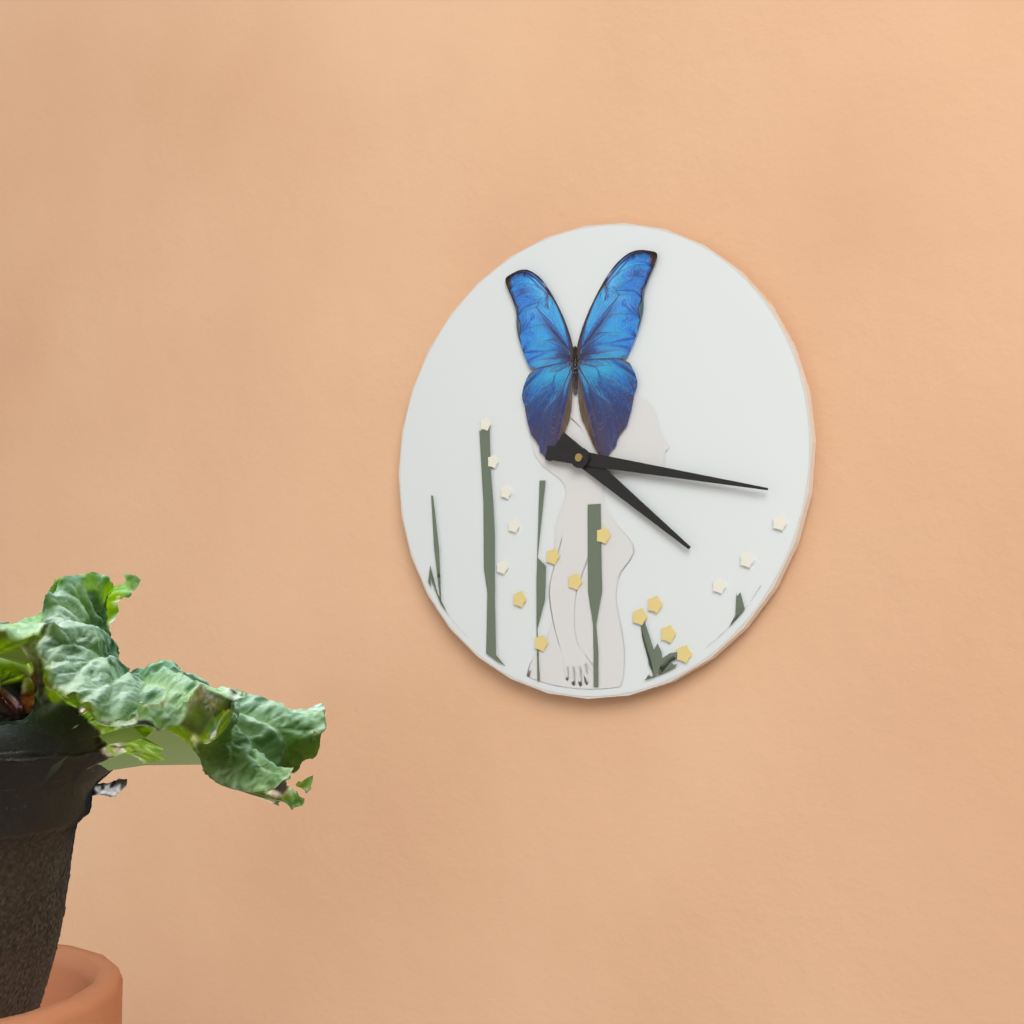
4.17
